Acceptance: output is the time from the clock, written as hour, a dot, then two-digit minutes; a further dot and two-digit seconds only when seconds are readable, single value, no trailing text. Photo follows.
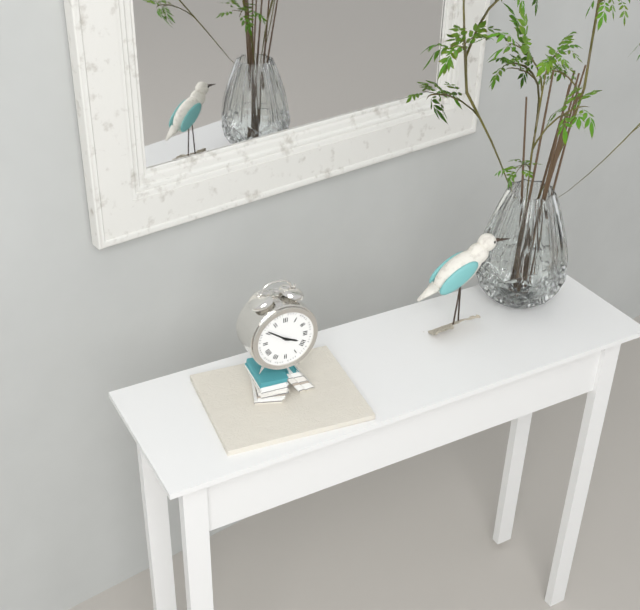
3.51
